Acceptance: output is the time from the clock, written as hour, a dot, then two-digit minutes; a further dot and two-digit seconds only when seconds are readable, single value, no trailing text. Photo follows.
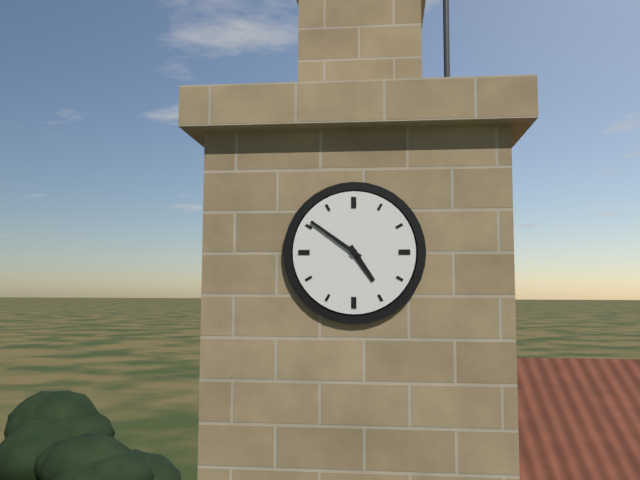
4.51
